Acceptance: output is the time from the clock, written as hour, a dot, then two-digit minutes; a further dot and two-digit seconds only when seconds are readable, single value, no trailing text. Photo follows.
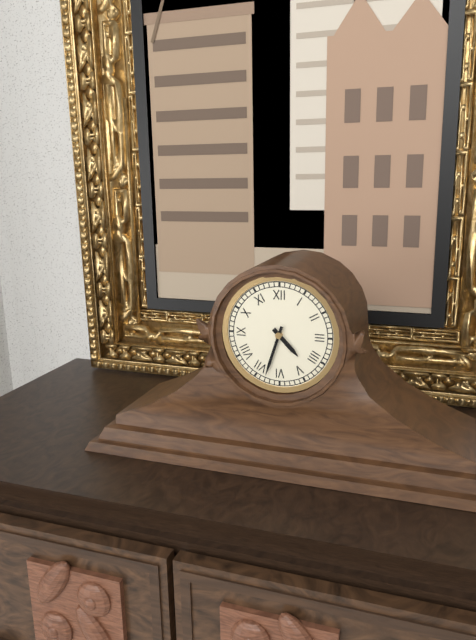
4.33
